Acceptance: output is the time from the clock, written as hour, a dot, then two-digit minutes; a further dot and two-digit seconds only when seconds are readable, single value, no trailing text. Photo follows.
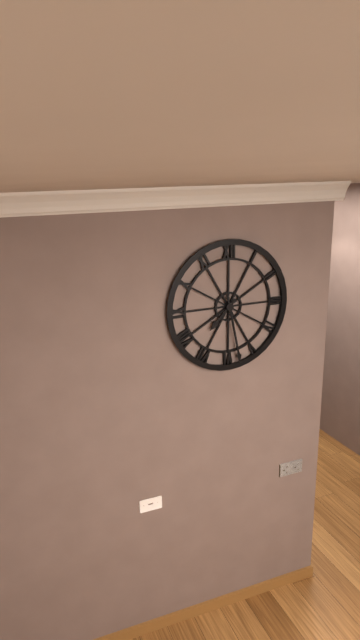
7.28
